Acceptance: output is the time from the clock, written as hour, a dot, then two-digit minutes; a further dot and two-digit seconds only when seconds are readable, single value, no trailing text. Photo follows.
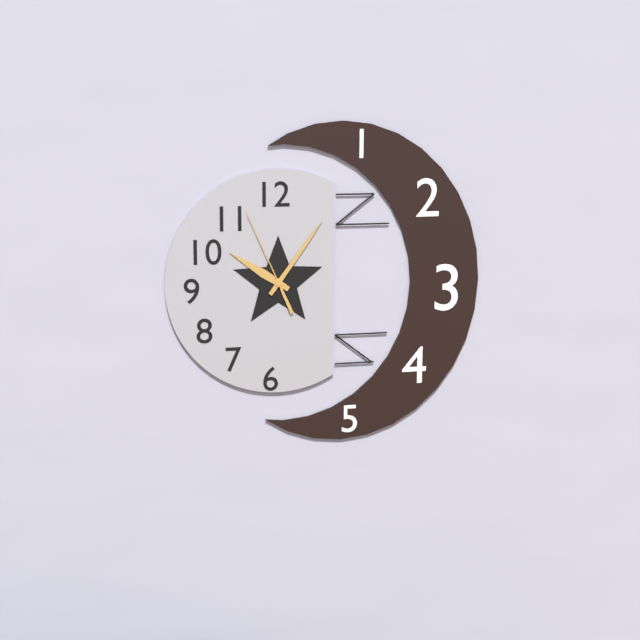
10.06.56
